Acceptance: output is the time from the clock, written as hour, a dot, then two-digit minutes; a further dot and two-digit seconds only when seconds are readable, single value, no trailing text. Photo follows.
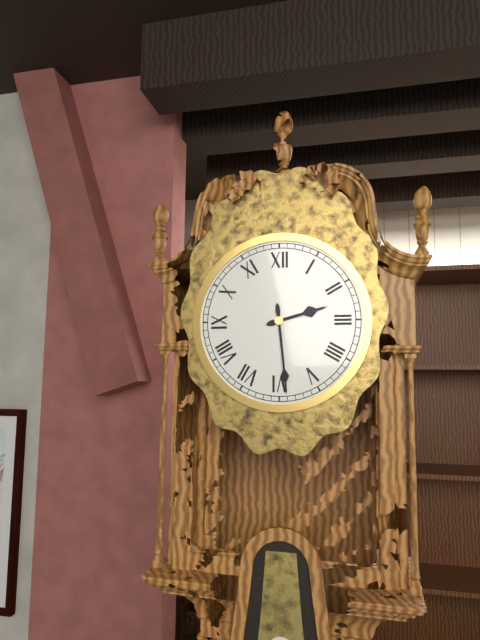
2.29
